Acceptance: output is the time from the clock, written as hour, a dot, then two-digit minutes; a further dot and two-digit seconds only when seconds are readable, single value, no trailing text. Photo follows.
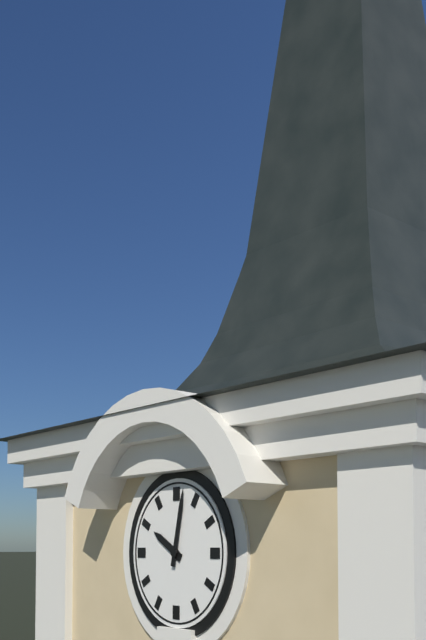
10.02
